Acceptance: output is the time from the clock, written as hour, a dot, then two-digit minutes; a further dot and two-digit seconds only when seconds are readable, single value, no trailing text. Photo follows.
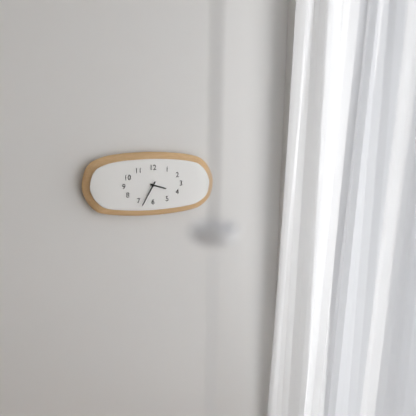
3.35
